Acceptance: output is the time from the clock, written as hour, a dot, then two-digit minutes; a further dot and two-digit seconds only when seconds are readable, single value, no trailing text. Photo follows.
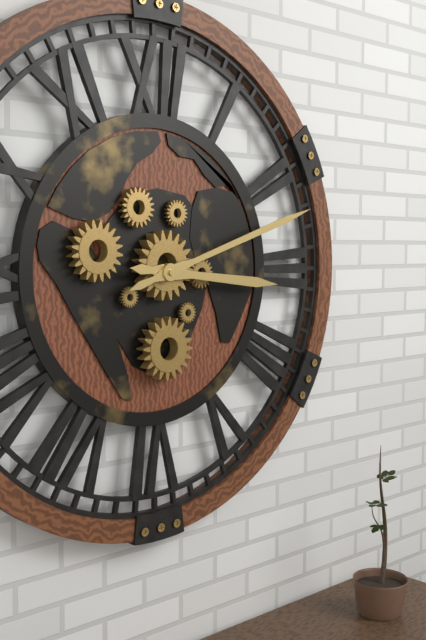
3.12
